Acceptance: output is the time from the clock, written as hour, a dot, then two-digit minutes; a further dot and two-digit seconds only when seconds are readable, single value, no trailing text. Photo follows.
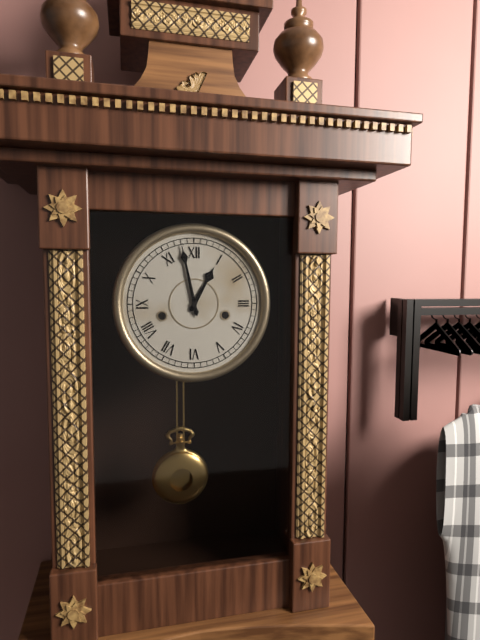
12.58
